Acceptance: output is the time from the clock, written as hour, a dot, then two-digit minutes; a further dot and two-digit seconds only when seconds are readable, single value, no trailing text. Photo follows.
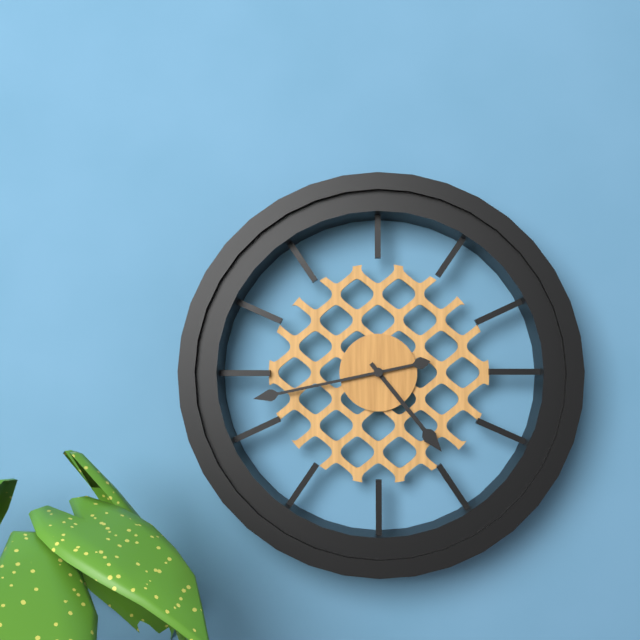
4.43
